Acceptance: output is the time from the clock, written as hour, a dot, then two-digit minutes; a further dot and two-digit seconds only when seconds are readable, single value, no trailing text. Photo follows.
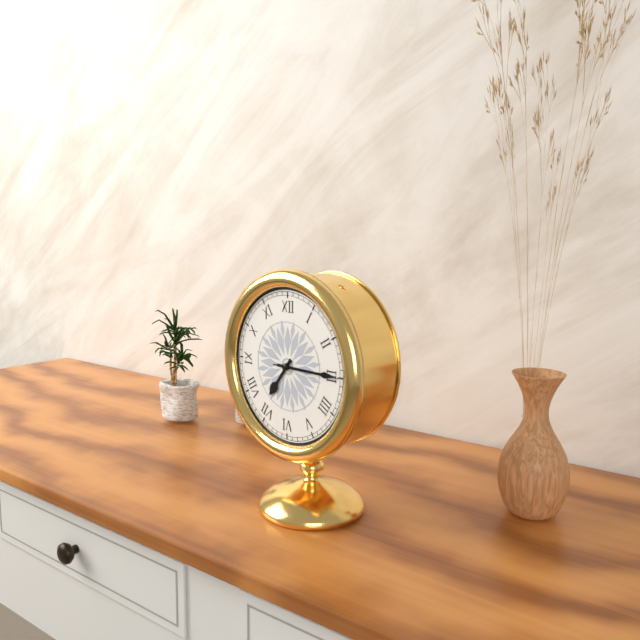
7.15.15
